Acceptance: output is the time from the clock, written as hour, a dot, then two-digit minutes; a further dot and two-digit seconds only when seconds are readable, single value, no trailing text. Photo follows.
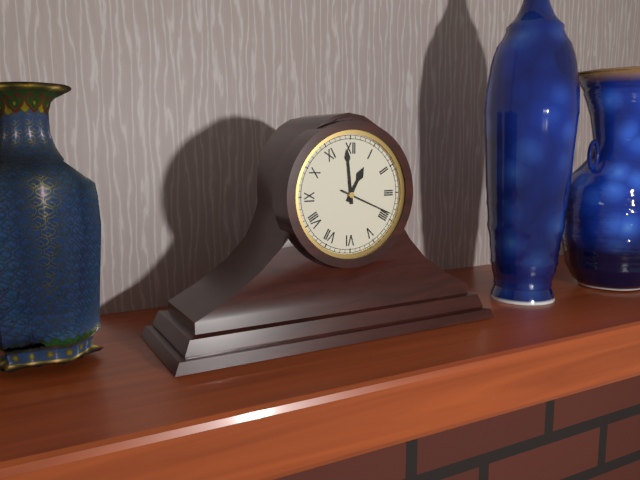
12.59.19
